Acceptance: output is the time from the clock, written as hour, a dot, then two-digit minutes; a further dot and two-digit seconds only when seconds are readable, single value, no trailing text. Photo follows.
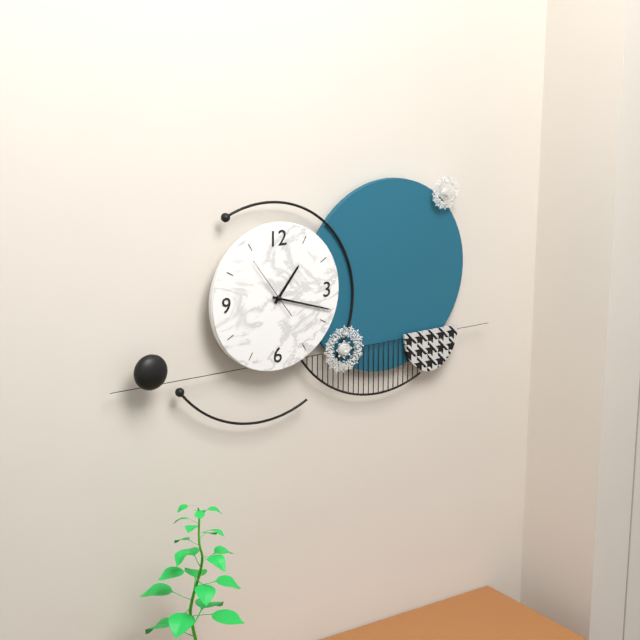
1.18.54
